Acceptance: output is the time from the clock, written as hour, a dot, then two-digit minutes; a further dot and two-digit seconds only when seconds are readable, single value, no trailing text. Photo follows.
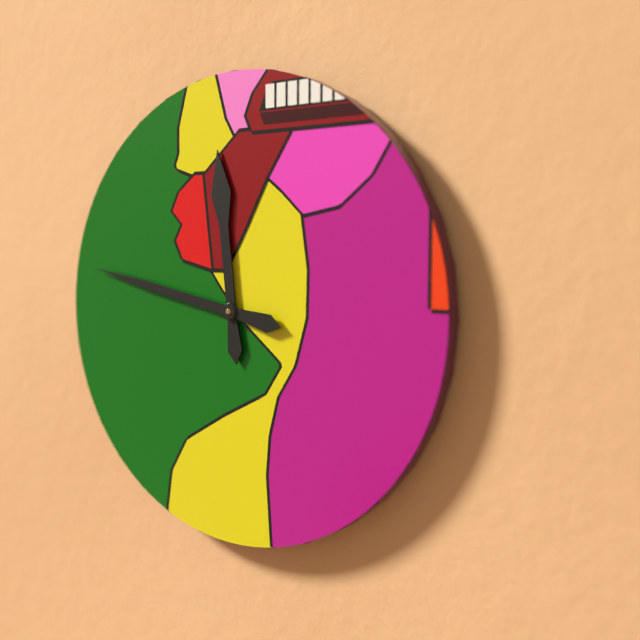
11.47
